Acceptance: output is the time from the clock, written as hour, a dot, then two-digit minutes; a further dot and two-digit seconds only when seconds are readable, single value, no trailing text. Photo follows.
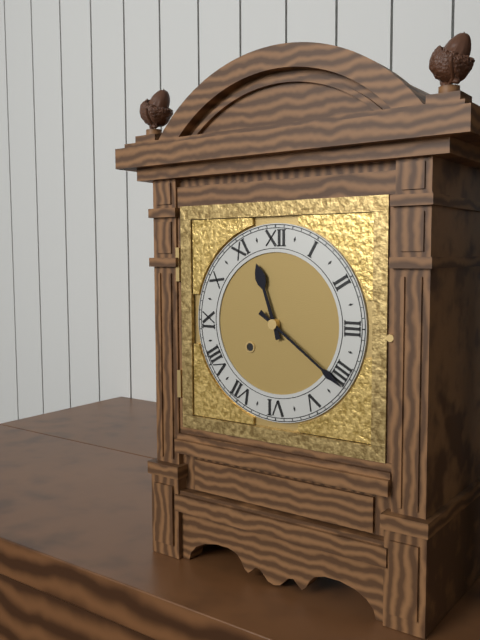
11.21
